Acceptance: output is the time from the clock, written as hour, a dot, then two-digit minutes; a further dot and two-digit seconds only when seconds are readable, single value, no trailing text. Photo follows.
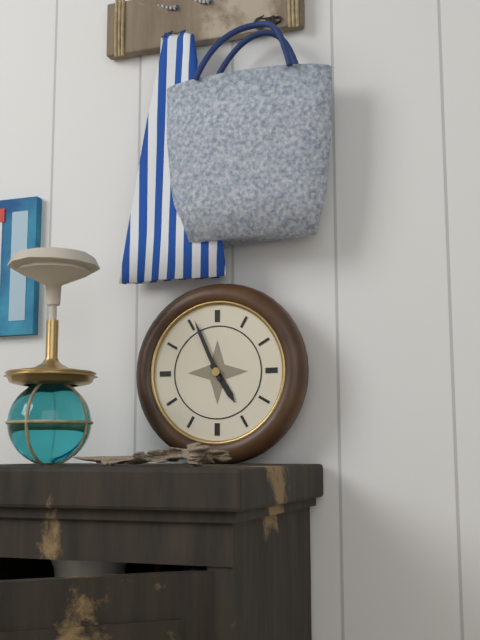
4.56
